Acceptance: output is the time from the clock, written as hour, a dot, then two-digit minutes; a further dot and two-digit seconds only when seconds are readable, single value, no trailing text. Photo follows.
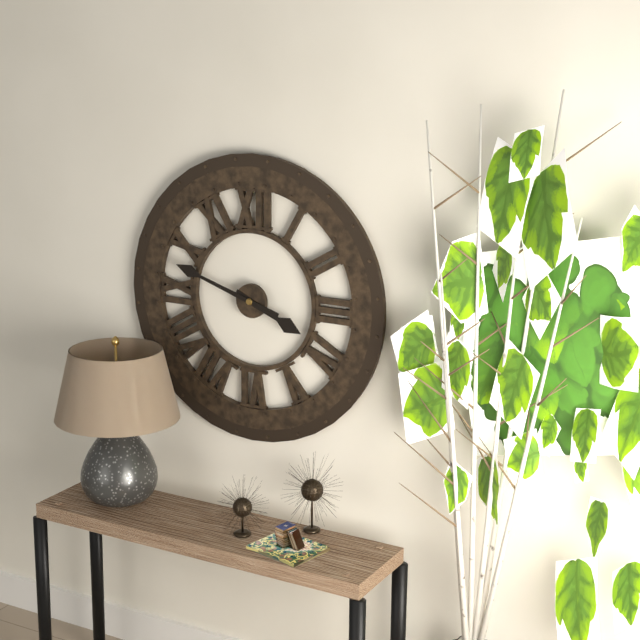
3.48
